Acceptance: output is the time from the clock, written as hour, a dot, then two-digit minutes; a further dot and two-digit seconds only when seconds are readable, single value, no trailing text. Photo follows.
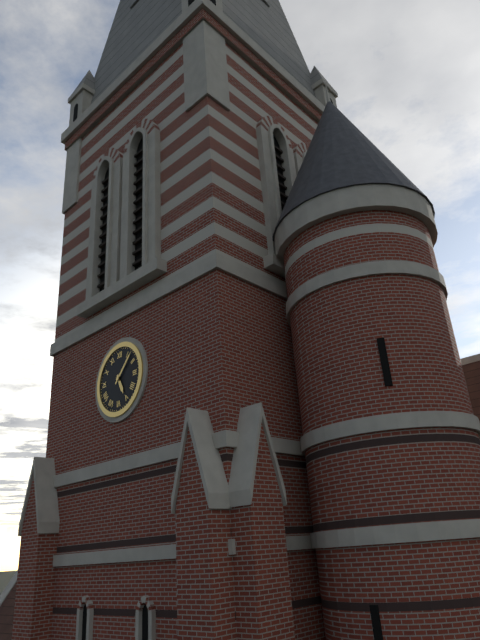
5.07
